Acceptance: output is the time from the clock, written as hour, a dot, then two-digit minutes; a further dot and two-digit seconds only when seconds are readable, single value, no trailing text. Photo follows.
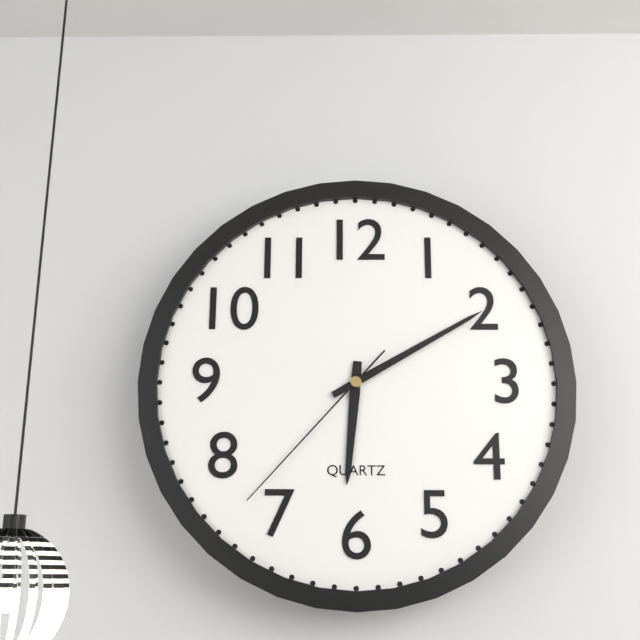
6.10.37
